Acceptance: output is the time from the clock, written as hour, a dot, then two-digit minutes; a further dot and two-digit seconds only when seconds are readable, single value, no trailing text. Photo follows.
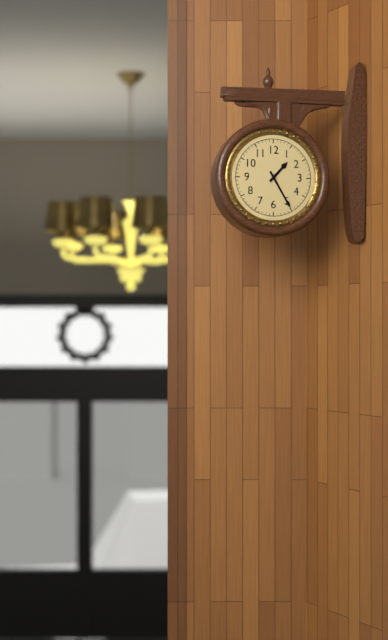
1.25
